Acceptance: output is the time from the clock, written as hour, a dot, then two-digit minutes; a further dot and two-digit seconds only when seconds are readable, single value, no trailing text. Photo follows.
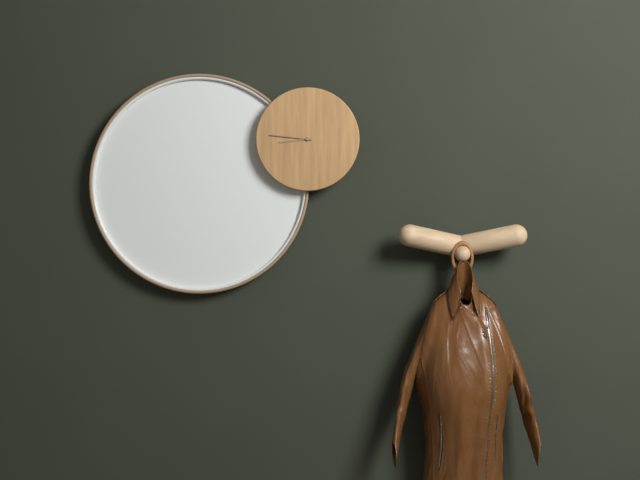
8.46
